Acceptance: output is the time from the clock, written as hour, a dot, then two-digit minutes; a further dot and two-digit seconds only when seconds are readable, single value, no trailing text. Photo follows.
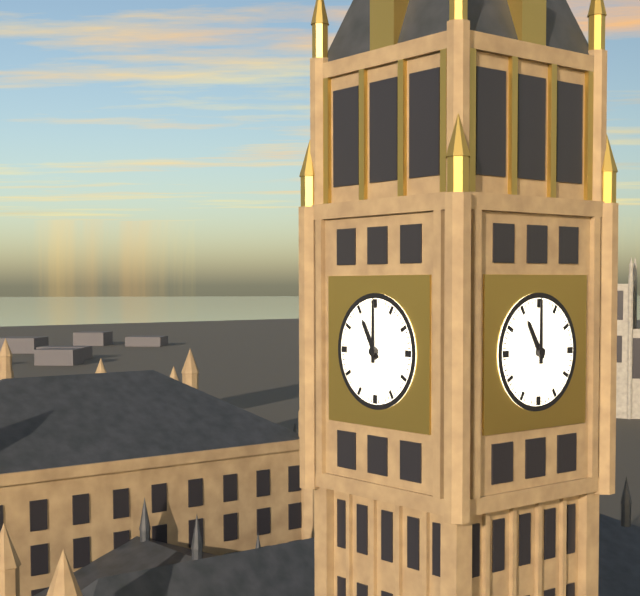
11.00
